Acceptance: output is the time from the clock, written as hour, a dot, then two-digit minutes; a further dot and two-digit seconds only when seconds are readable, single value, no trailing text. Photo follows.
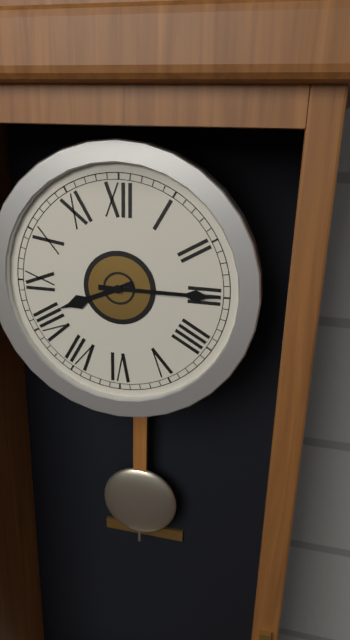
8.15
